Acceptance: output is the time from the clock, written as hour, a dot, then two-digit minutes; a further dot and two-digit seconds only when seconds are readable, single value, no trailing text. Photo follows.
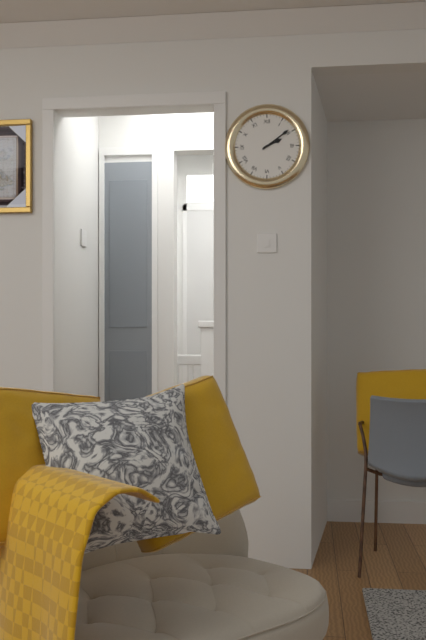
2.09
